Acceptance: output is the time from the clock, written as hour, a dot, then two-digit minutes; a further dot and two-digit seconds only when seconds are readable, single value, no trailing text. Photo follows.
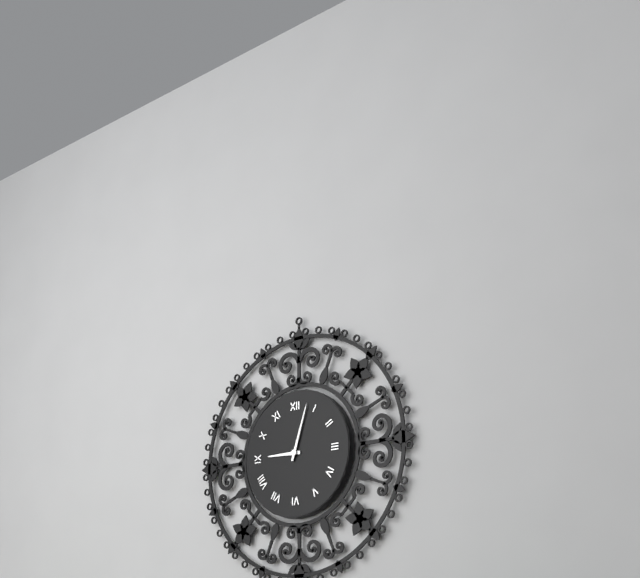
9.03
